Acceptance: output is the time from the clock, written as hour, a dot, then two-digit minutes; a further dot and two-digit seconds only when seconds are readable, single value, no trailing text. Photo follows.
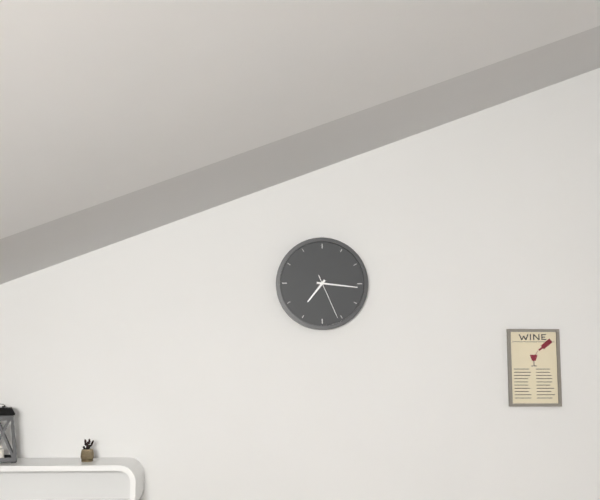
7.16
